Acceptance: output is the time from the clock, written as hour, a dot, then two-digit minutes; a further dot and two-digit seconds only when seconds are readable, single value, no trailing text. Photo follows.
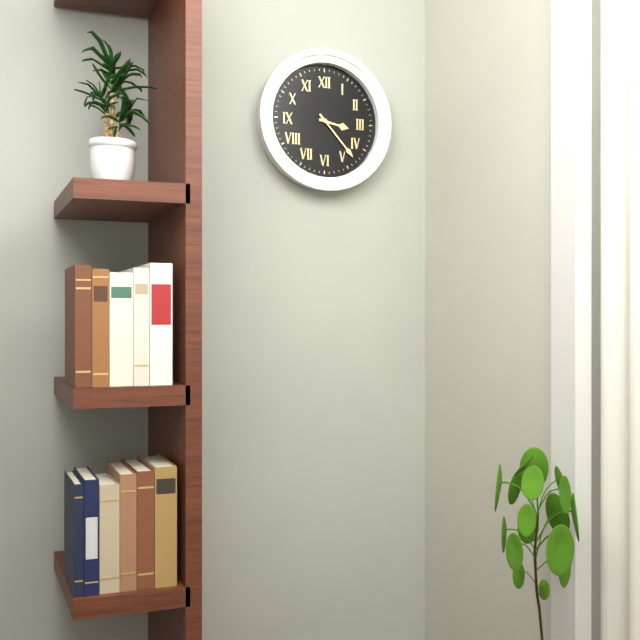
3.23
